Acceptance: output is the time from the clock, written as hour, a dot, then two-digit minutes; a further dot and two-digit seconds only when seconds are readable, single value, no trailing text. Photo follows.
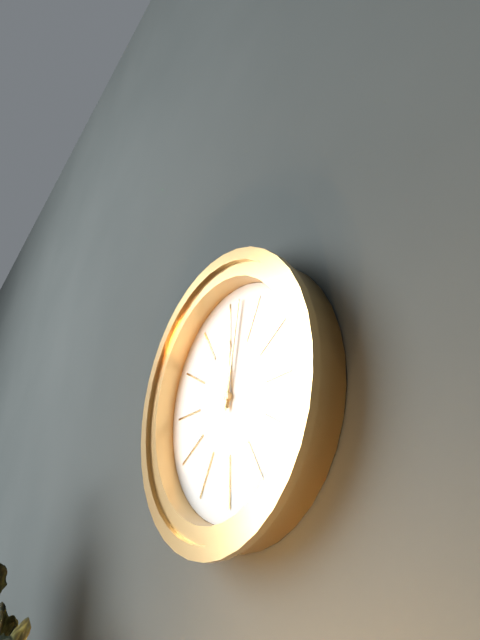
12.02
